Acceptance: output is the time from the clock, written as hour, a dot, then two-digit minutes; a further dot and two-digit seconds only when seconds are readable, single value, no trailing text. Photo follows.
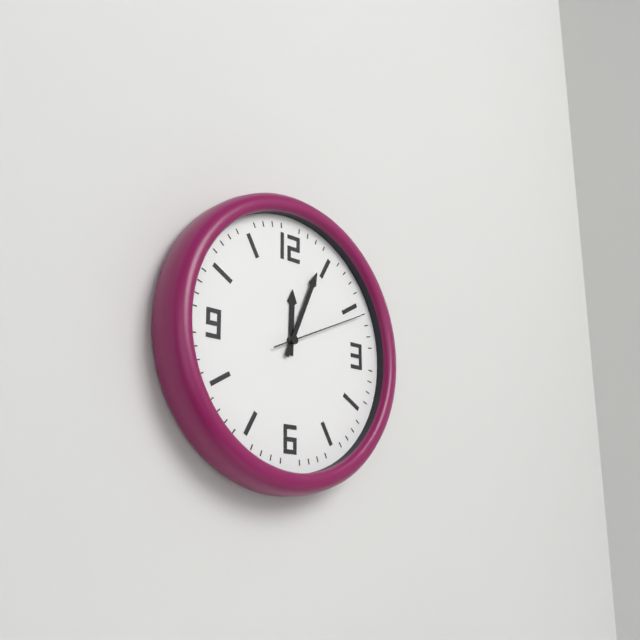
12.04.11
